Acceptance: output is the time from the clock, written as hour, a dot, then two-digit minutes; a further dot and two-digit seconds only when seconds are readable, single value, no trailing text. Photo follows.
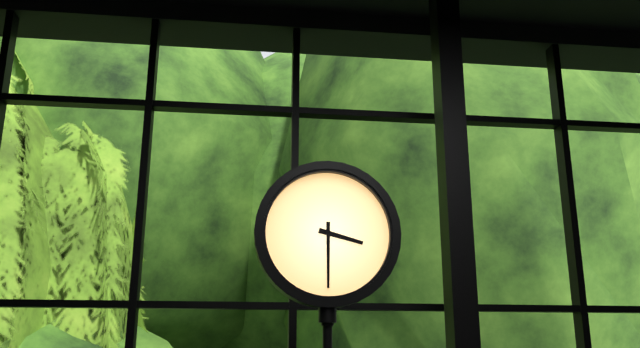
3.30
